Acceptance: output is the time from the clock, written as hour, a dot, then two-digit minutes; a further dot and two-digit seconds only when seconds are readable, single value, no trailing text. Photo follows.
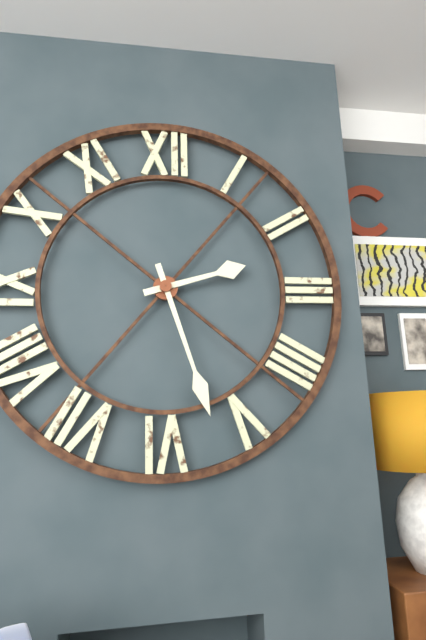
2.27
